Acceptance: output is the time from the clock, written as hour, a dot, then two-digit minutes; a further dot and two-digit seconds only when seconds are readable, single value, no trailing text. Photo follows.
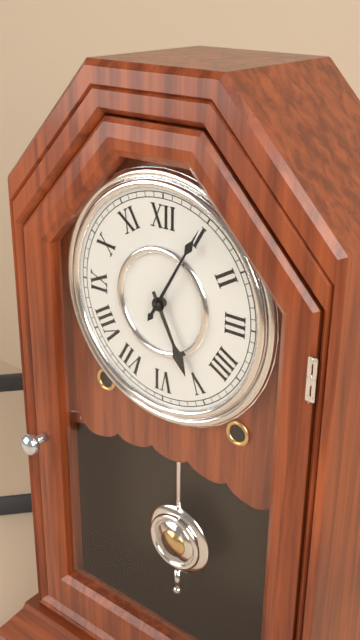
5.05
